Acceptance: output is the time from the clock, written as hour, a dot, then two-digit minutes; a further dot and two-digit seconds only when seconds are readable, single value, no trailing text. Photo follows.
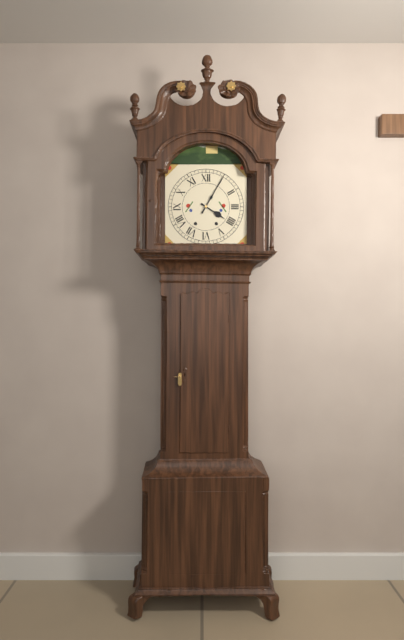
4.05
